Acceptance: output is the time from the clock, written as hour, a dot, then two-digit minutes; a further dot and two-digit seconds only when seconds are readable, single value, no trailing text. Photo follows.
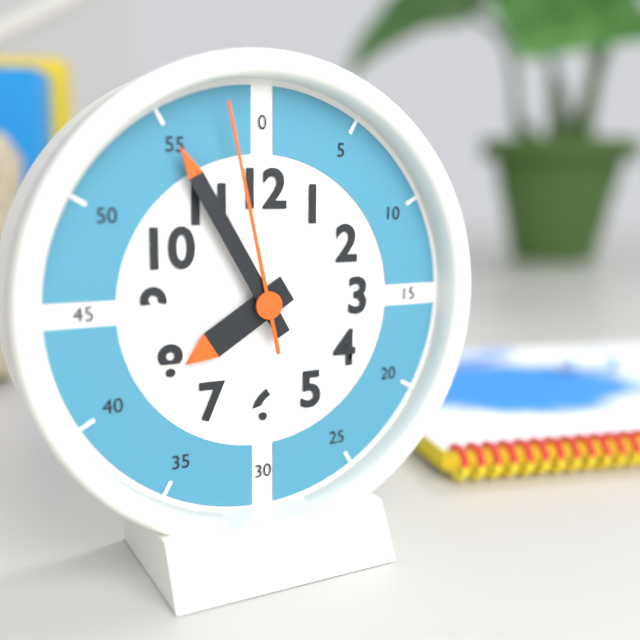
7.55.58
